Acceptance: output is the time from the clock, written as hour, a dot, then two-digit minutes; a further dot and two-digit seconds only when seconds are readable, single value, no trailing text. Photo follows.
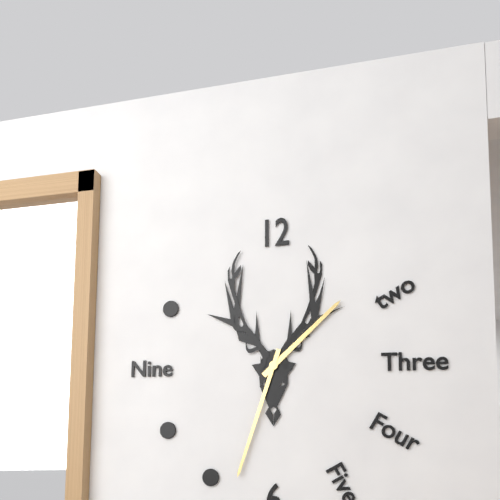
1.33
